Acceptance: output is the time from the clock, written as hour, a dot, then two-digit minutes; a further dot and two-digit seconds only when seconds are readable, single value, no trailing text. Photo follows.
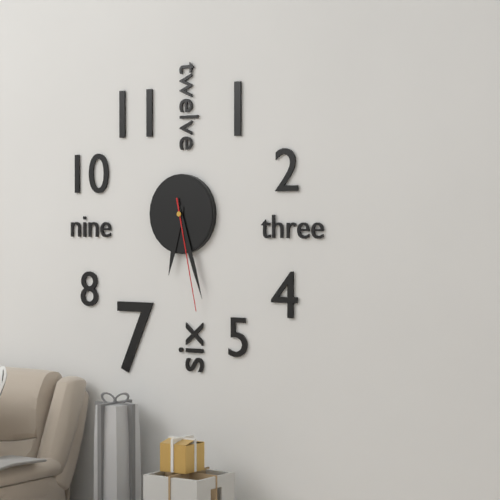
6.27.28
